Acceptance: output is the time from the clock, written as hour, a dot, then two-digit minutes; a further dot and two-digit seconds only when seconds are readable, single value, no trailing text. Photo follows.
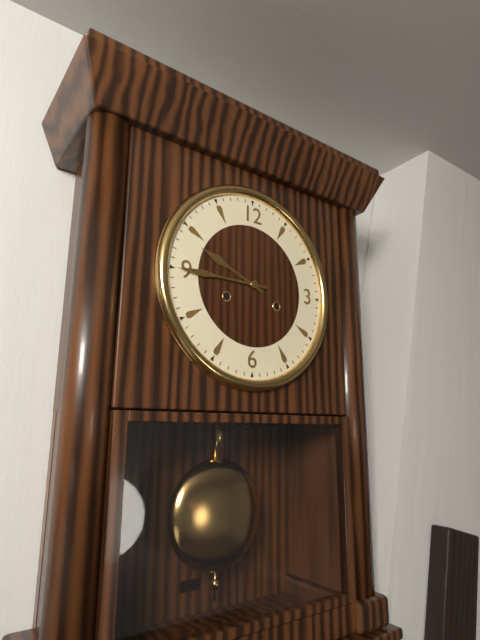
9.45
